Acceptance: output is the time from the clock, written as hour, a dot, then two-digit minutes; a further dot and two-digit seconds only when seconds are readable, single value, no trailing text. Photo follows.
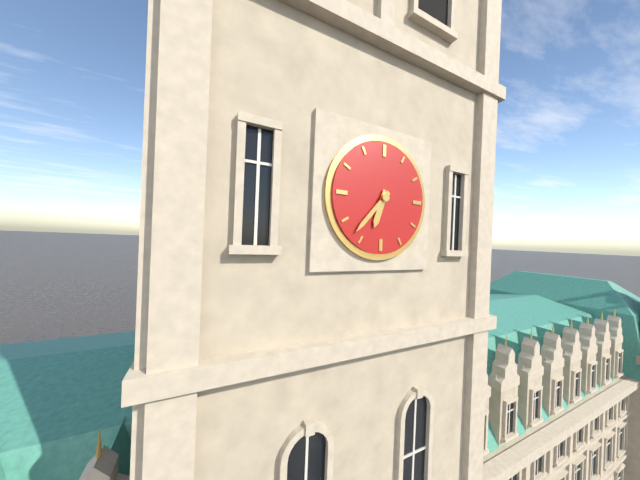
6.37
